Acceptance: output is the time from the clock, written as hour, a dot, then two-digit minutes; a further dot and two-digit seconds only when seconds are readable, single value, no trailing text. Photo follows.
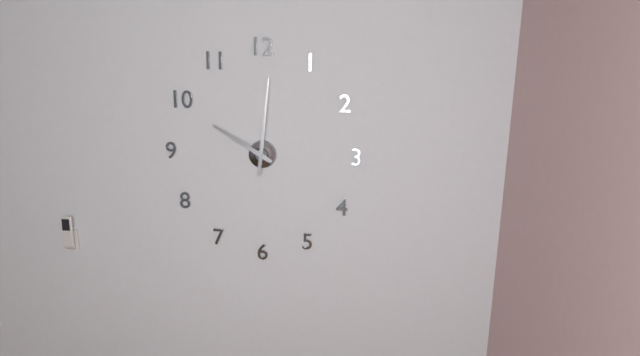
10.01
